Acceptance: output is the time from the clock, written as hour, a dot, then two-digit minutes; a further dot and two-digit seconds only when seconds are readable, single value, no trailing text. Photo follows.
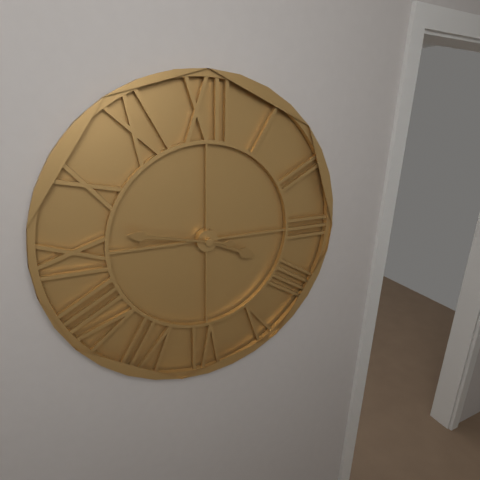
3.47
